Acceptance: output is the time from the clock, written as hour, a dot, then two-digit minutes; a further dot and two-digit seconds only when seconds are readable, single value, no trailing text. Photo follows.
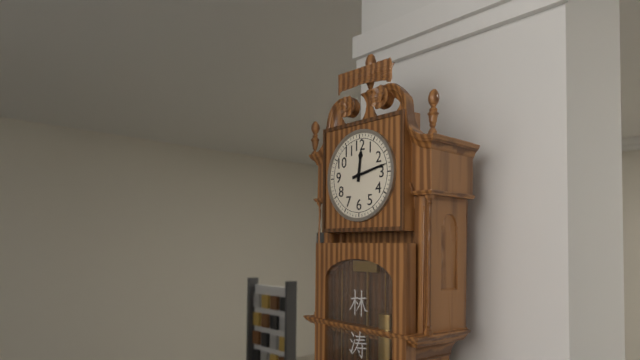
12.13
